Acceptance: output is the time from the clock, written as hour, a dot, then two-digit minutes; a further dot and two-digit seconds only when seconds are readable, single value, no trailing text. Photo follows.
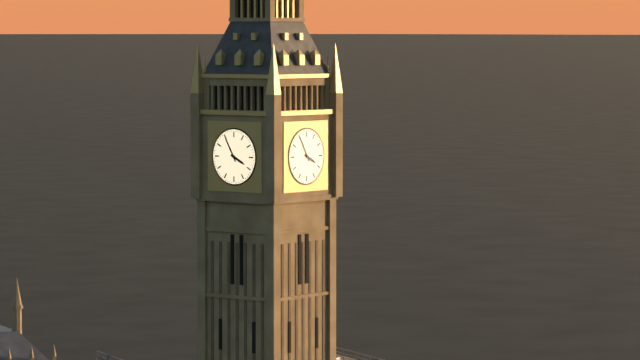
3.55
